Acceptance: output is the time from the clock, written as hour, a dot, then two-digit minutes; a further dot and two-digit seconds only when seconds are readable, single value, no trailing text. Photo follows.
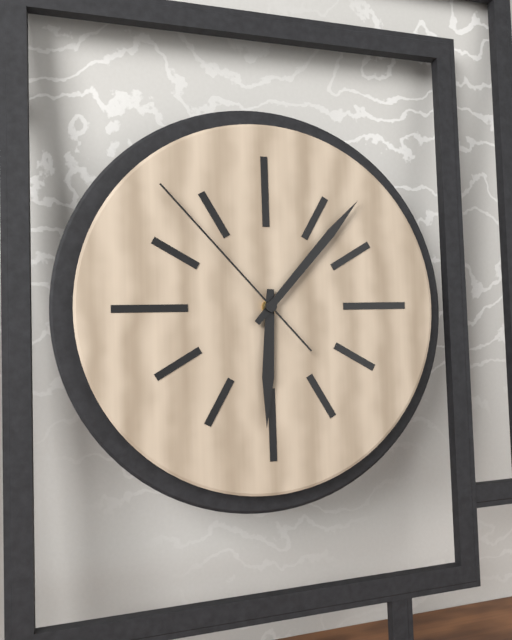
6.07.53
